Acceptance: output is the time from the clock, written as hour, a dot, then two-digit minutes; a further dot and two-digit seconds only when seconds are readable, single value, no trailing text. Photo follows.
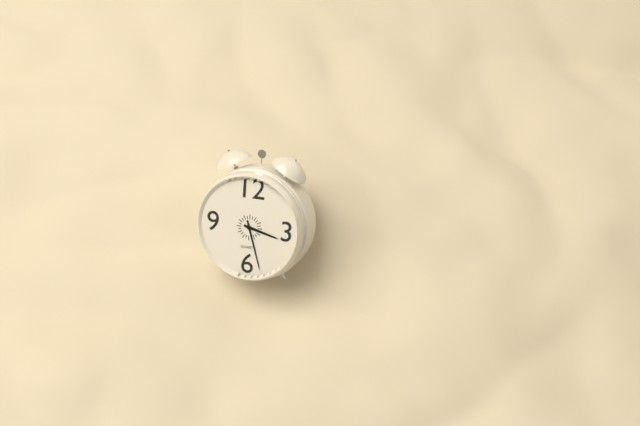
3.27
